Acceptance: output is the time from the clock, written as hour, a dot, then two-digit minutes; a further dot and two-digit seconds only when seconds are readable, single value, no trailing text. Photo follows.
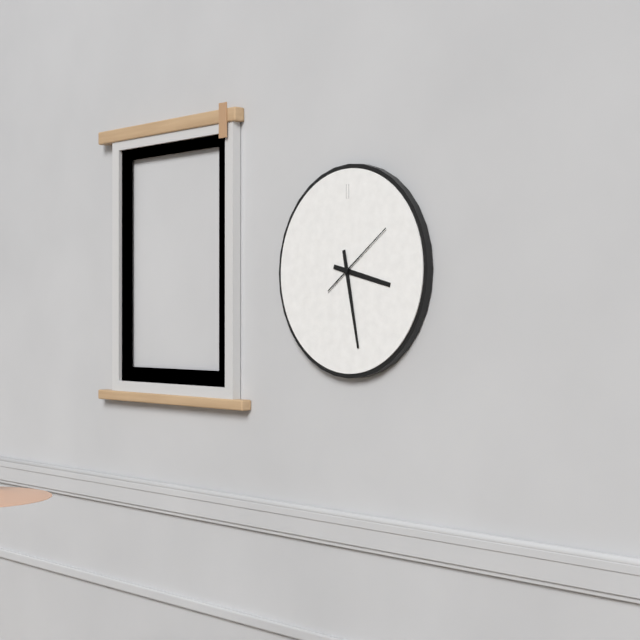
3.28.09
